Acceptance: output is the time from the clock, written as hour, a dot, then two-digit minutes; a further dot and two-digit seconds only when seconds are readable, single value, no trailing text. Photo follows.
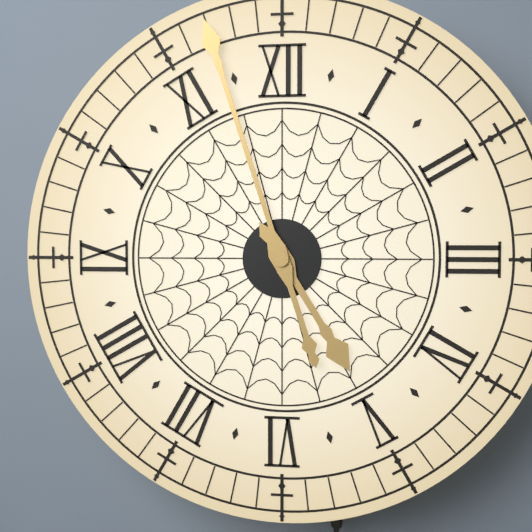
4.57
